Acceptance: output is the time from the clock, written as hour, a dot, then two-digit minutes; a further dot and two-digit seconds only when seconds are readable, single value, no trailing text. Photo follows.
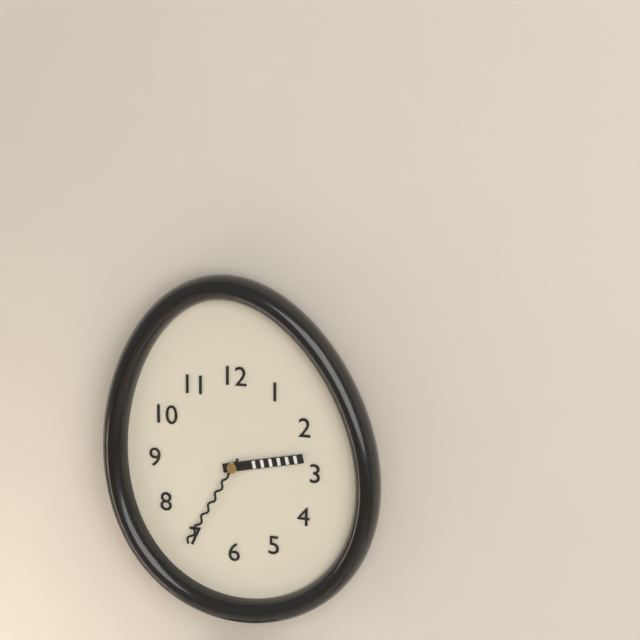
2.35
